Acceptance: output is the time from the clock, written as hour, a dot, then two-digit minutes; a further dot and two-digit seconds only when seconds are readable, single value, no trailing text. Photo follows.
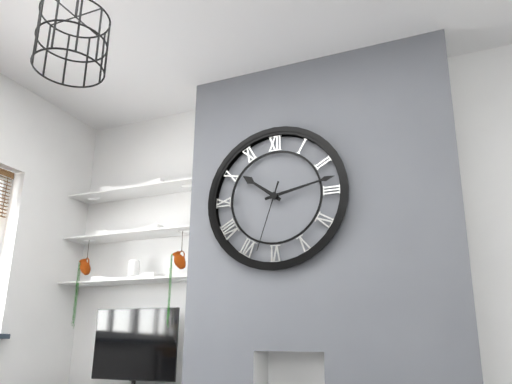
10.13.33
